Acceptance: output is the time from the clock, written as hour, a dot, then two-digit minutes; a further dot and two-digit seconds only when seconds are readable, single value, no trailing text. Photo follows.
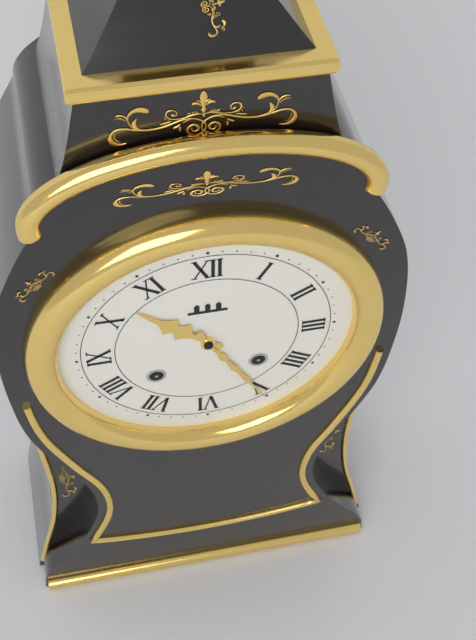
10.25
